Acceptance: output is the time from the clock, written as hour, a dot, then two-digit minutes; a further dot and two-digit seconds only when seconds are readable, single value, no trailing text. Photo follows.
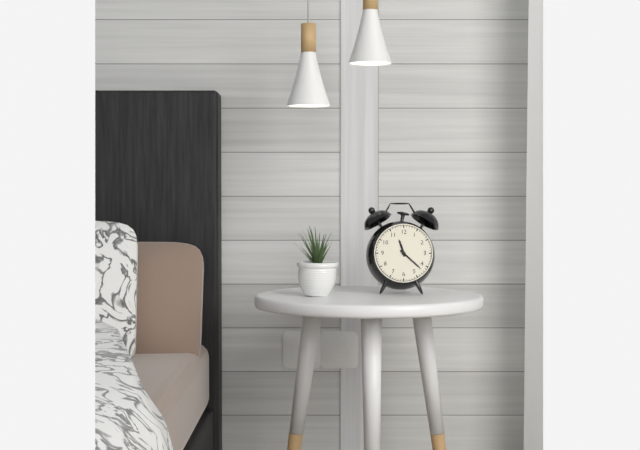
11.22
